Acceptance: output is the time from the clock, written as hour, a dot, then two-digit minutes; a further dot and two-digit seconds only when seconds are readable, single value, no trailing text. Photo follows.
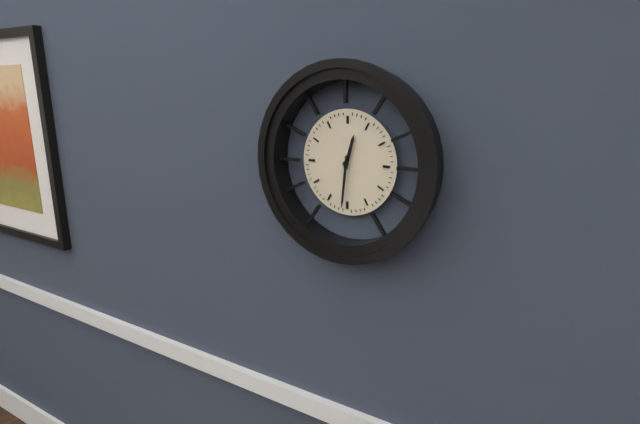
12.31
